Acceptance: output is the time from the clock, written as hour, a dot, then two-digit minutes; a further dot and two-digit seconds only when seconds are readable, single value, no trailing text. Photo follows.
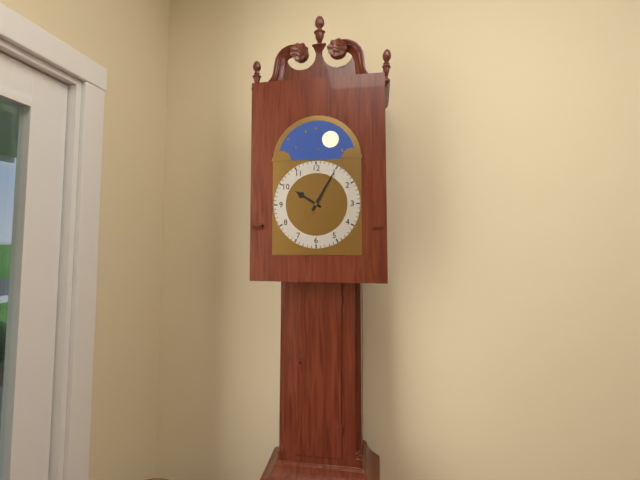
10.05
